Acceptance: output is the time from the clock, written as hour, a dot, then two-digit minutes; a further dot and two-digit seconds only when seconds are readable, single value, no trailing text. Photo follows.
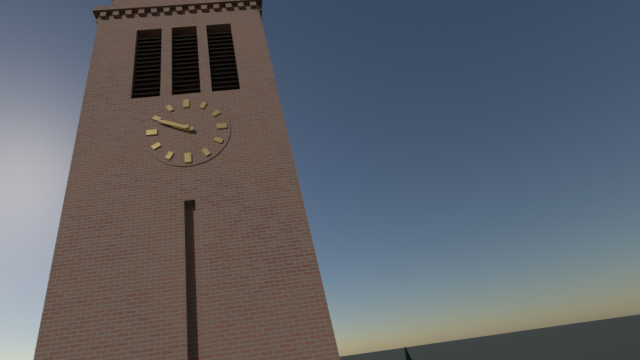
9.49
